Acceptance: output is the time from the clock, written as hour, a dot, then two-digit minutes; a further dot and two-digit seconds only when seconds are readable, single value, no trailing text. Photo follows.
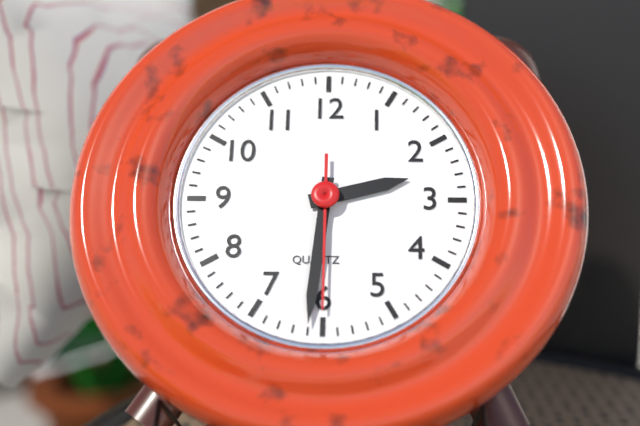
2.31.30
